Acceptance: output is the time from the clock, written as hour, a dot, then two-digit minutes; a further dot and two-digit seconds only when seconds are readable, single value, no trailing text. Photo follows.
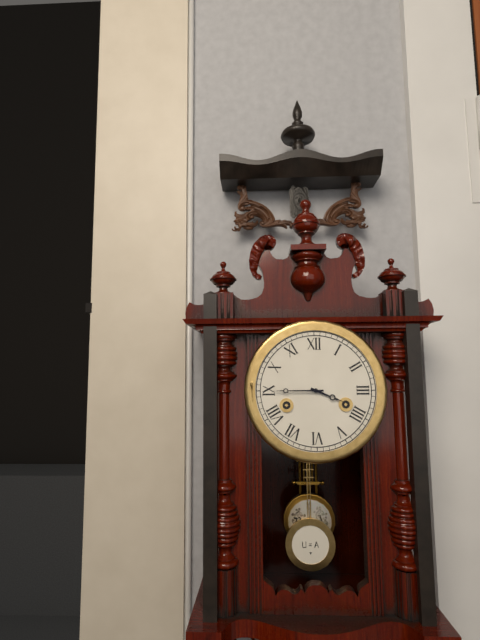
3.45
